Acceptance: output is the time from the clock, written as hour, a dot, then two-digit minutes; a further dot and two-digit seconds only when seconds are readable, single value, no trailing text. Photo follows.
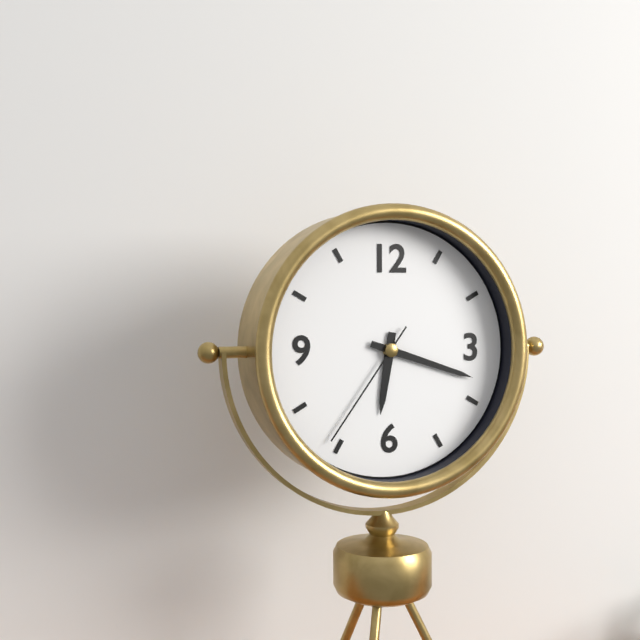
6.18.36
